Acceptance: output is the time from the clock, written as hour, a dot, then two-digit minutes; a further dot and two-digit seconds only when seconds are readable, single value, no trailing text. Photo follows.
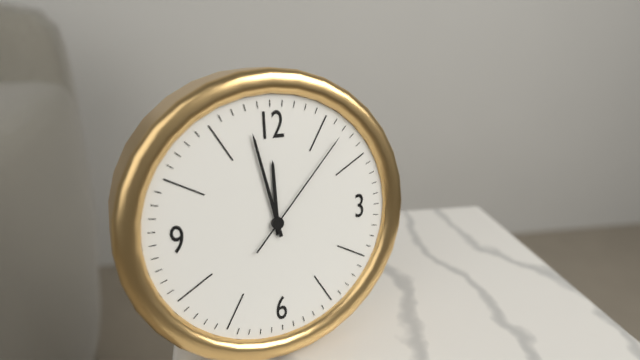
11.58.07
